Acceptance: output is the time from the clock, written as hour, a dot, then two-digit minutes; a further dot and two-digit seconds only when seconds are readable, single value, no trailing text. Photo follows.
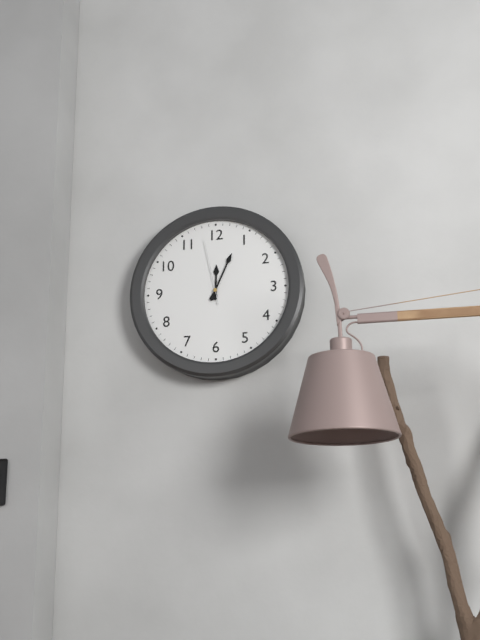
12.04.58
